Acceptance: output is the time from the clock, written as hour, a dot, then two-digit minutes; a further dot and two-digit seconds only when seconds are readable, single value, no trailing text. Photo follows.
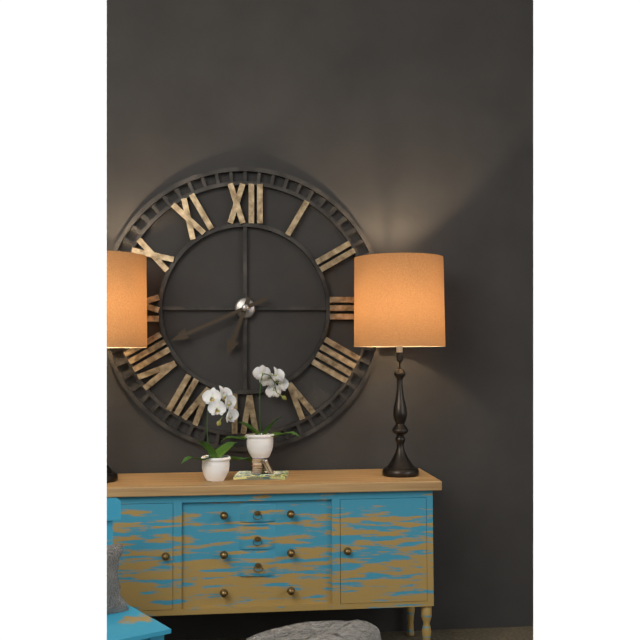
6.41
